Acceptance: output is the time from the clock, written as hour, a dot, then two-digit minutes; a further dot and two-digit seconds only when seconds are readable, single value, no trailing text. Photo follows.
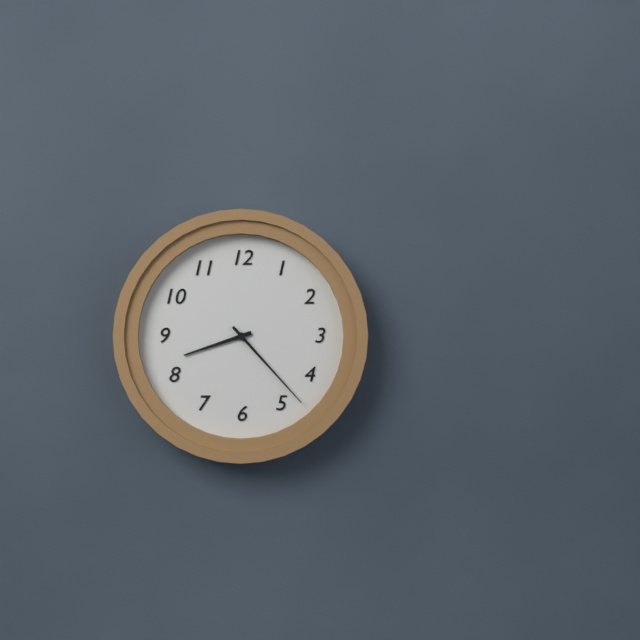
8.23
